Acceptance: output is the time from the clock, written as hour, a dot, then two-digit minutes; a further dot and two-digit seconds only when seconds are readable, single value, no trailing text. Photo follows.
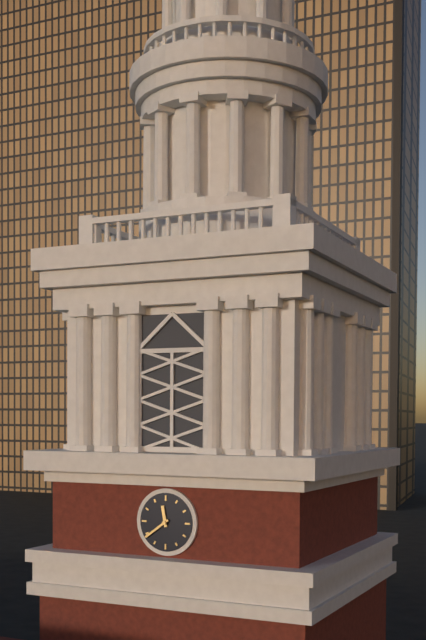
11.39
